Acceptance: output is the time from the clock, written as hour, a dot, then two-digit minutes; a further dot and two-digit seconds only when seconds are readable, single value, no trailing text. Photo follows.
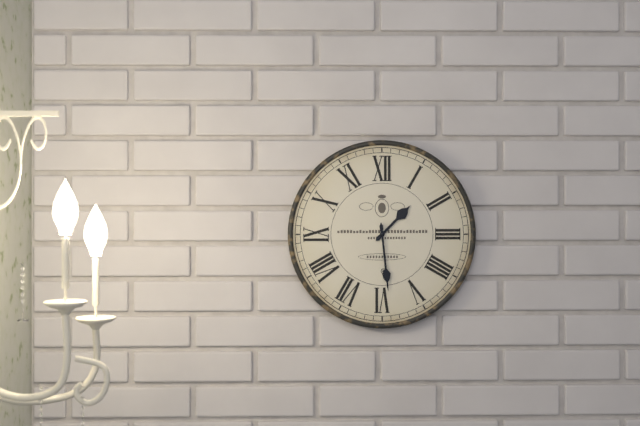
1.29
